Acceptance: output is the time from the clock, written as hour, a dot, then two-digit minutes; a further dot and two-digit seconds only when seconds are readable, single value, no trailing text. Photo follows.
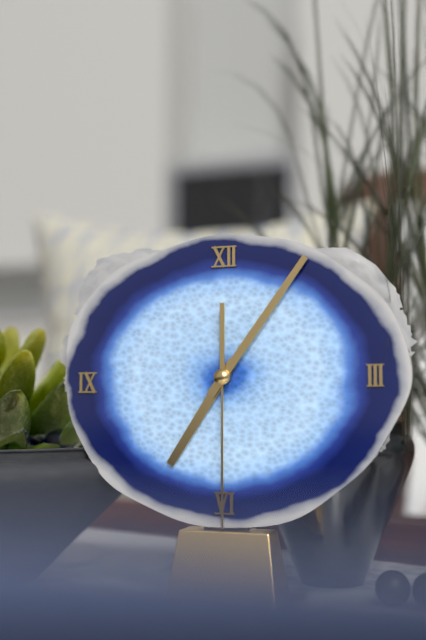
7.06.30
